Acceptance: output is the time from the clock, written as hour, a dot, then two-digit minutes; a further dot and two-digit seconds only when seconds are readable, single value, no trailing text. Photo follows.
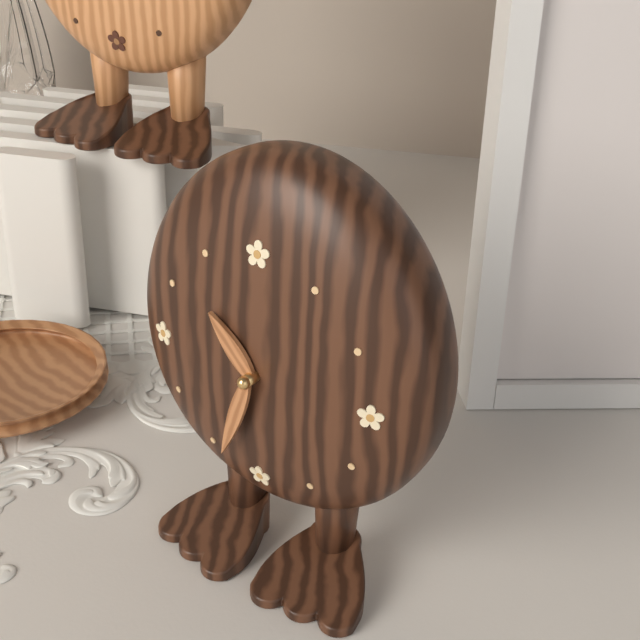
10.33
